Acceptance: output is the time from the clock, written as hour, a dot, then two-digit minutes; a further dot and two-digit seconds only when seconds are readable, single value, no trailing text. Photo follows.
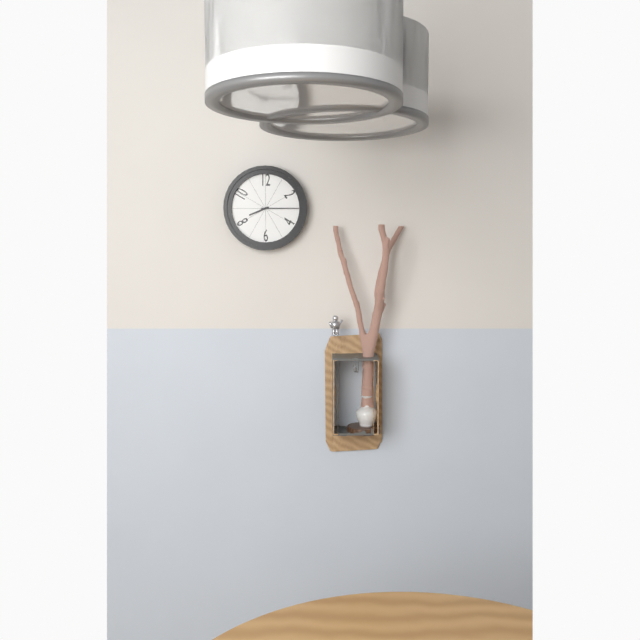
8.15
